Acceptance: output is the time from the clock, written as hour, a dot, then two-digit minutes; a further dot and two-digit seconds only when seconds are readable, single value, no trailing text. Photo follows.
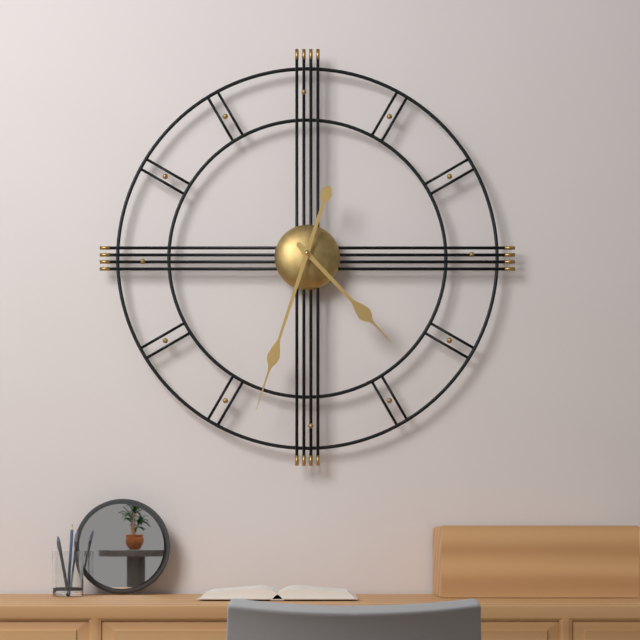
4.33
